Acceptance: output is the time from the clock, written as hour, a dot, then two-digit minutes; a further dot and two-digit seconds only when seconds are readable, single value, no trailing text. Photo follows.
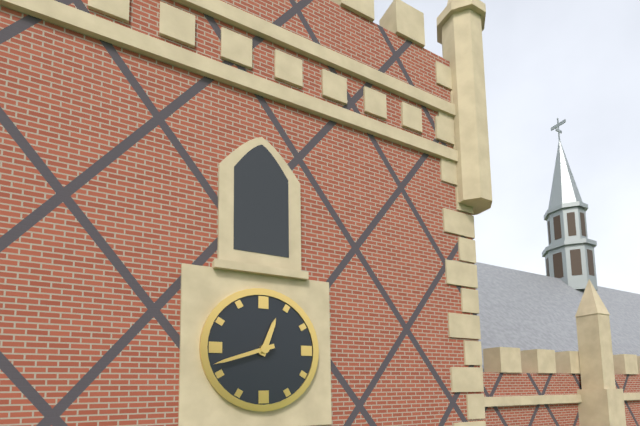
12.42
